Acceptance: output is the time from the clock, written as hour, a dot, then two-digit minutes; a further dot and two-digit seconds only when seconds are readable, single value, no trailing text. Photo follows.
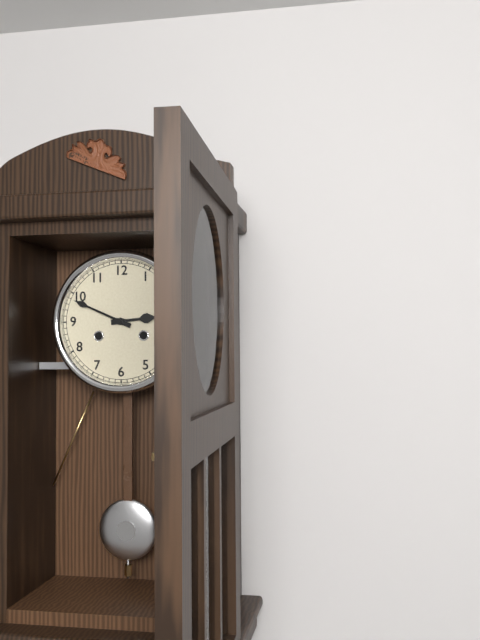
2.49
